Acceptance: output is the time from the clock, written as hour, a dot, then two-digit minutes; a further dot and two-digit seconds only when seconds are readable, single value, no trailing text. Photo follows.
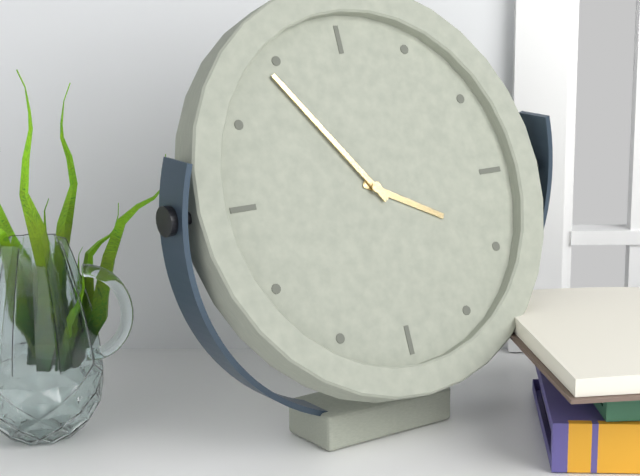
3.54
